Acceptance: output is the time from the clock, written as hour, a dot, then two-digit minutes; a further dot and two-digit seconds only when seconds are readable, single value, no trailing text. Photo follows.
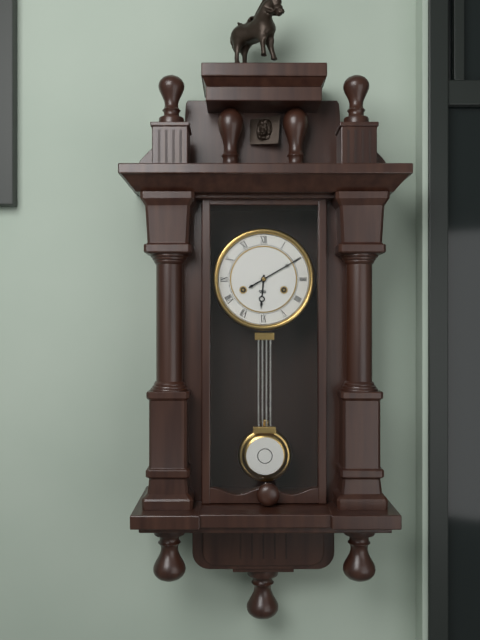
6.10
